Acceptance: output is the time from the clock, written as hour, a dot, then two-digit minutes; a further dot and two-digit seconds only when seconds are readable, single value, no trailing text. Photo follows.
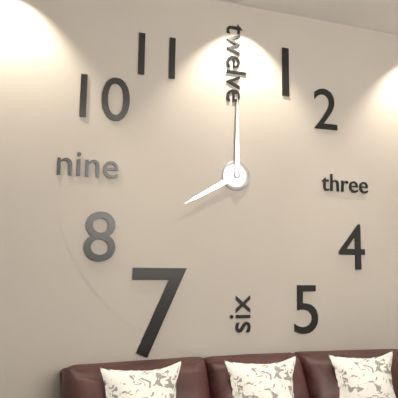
8.00
